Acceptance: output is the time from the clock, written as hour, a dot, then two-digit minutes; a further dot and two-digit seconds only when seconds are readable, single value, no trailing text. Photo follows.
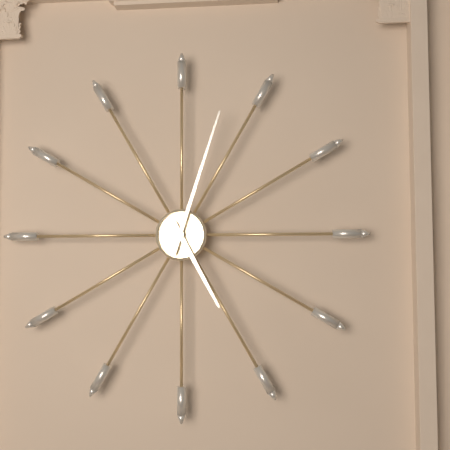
5.03
